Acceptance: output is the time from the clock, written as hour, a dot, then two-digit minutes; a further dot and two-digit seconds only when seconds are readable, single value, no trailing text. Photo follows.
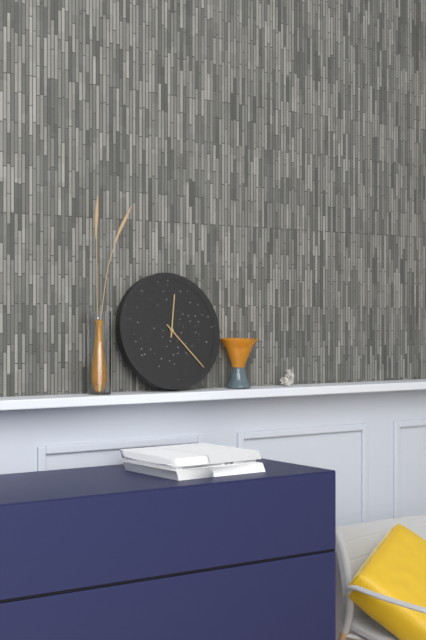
12.23
